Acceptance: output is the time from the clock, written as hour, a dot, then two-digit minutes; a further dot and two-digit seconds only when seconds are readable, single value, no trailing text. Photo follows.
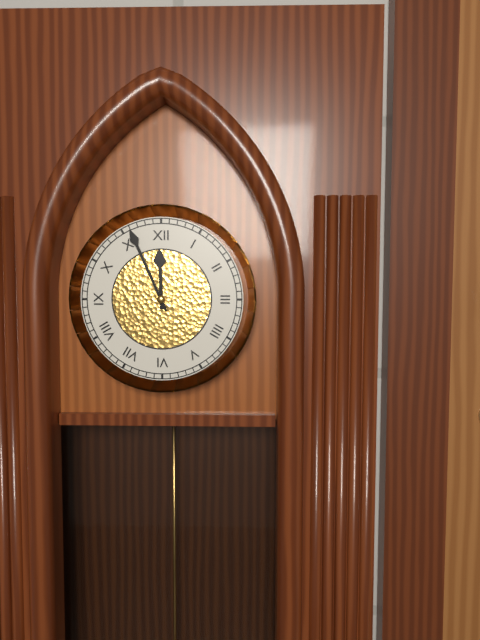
11.56
